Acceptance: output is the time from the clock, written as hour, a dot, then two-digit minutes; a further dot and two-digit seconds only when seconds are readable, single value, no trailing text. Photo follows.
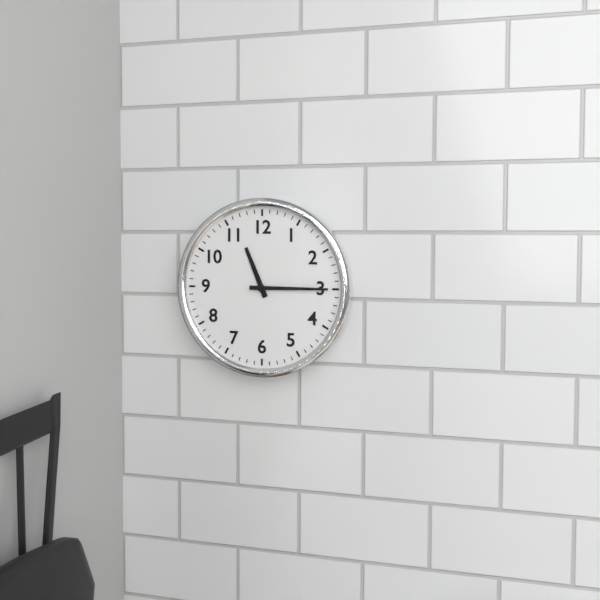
11.15
